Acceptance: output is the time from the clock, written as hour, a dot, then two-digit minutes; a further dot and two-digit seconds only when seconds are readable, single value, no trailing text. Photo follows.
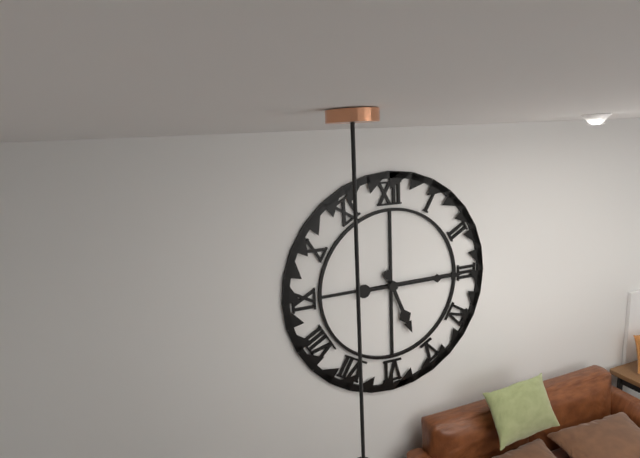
5.15
